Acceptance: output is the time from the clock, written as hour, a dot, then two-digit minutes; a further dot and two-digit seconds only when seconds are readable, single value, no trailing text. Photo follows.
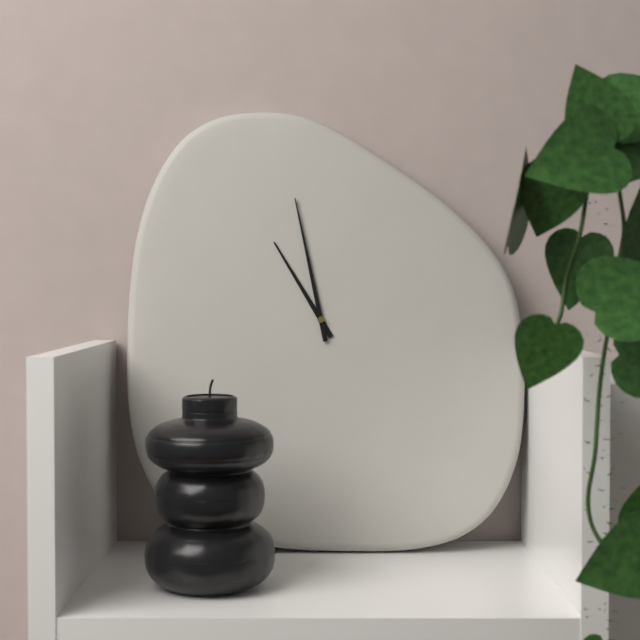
10.58
